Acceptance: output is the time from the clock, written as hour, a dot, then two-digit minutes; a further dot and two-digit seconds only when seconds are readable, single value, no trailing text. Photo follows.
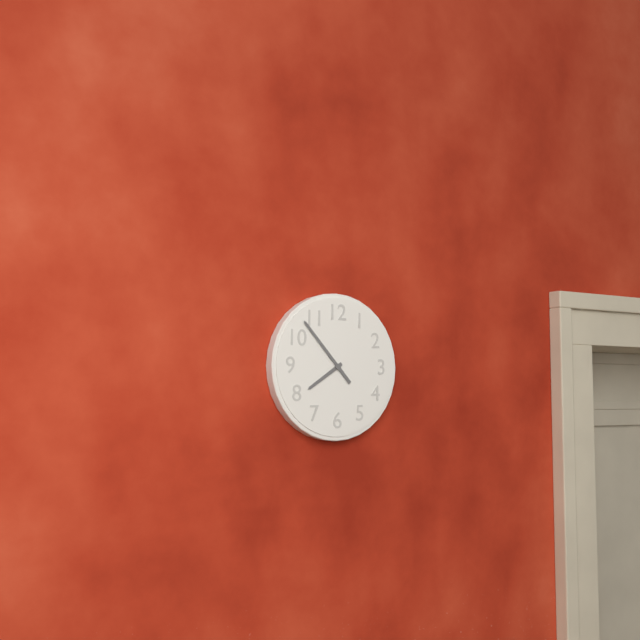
7.53
